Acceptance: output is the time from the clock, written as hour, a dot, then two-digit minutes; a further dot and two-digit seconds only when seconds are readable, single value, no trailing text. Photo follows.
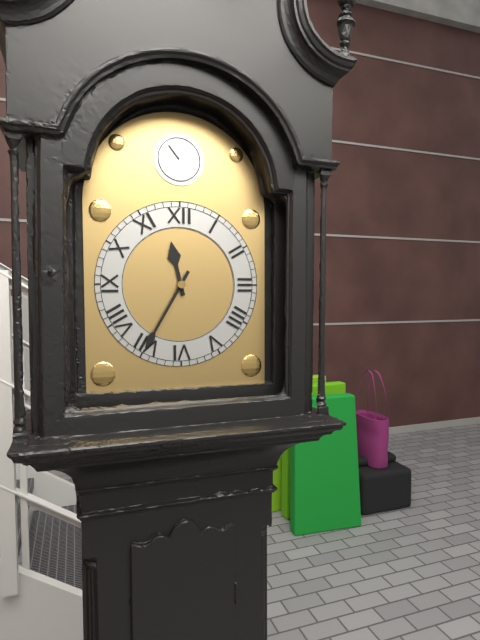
11.35
